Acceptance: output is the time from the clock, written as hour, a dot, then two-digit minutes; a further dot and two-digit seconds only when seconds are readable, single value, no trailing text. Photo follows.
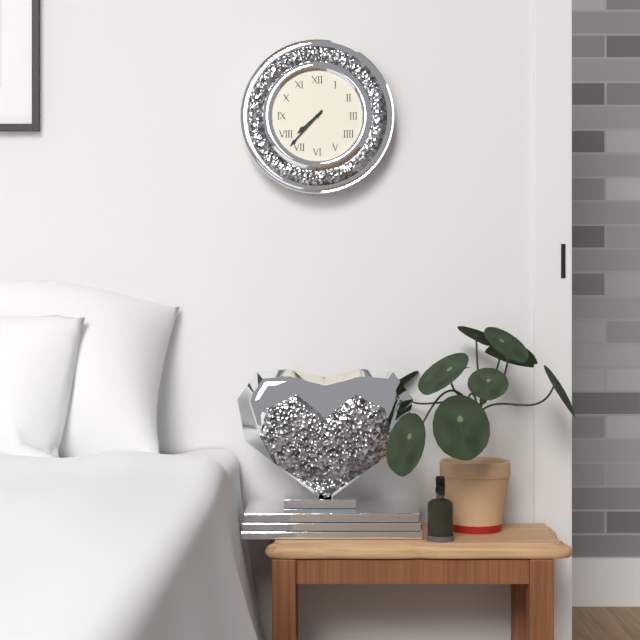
7.37
